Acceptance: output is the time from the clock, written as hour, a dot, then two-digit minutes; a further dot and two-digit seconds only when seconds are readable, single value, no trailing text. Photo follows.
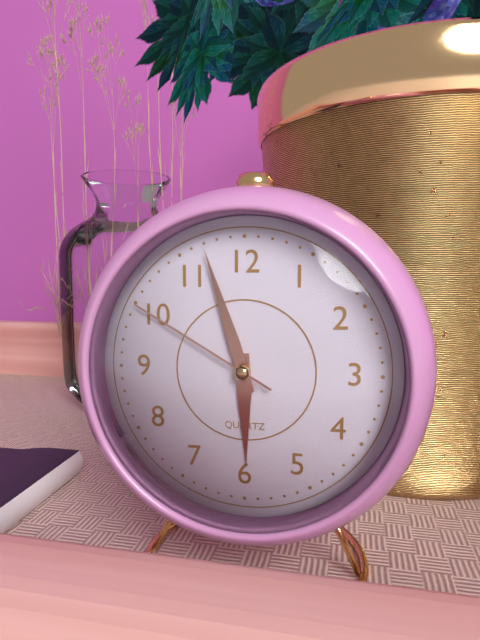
5.57.50
